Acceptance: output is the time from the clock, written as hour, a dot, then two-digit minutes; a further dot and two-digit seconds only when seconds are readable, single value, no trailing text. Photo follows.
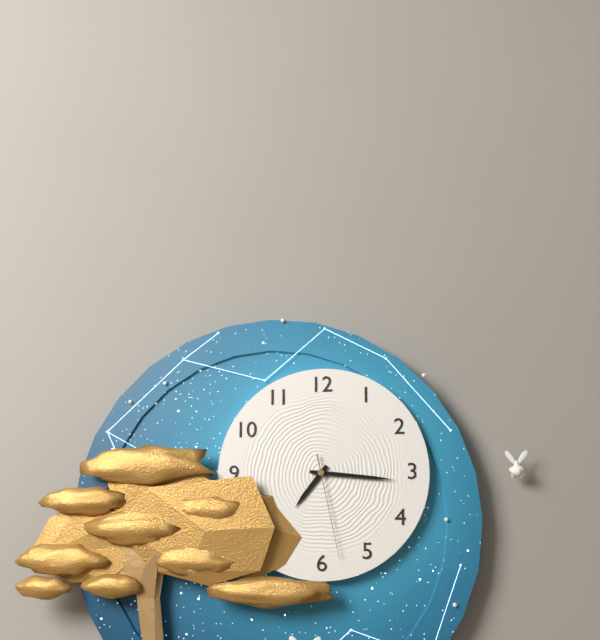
7.16.28
